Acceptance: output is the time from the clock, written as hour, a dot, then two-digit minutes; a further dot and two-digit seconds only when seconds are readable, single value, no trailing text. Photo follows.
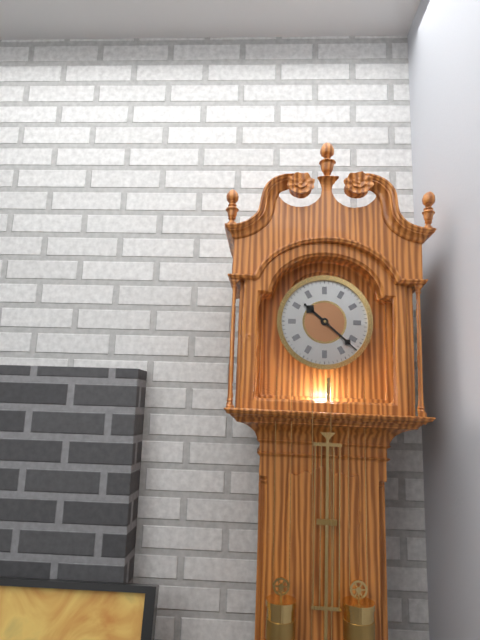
10.22
